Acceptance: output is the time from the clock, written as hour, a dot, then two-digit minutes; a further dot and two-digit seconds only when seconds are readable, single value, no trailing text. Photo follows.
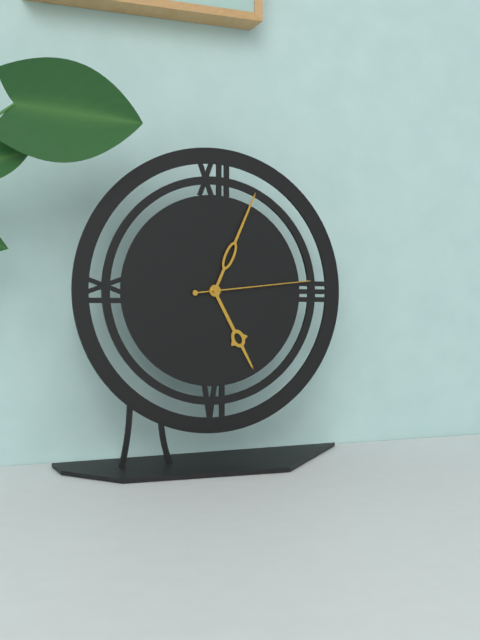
5.04.14
